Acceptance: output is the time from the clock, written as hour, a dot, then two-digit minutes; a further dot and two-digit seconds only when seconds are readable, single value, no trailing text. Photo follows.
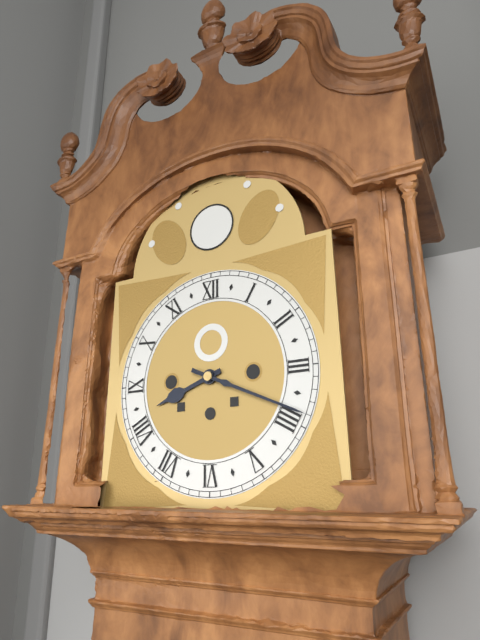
8.19
